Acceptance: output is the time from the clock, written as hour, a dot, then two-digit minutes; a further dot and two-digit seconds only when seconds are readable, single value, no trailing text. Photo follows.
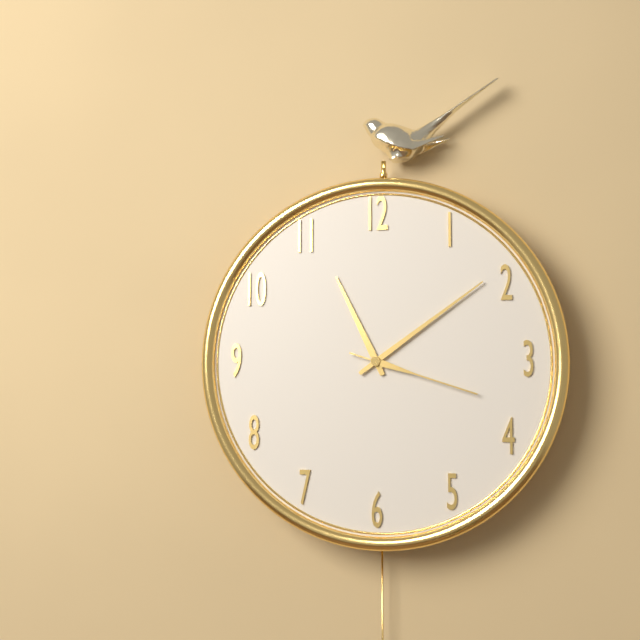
11.09.18
